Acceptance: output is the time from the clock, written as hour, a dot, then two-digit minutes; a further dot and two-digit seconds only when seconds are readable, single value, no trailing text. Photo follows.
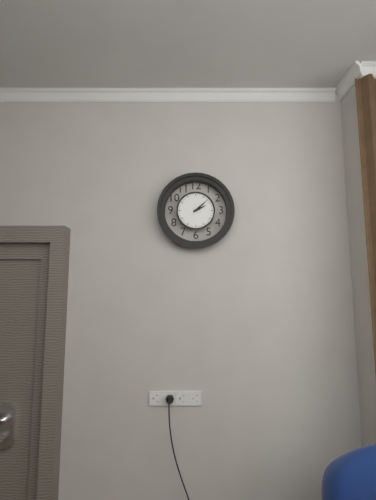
2.08
